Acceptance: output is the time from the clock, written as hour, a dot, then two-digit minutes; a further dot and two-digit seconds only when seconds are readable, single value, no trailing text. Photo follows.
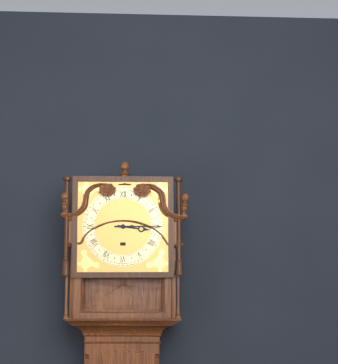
3.15
